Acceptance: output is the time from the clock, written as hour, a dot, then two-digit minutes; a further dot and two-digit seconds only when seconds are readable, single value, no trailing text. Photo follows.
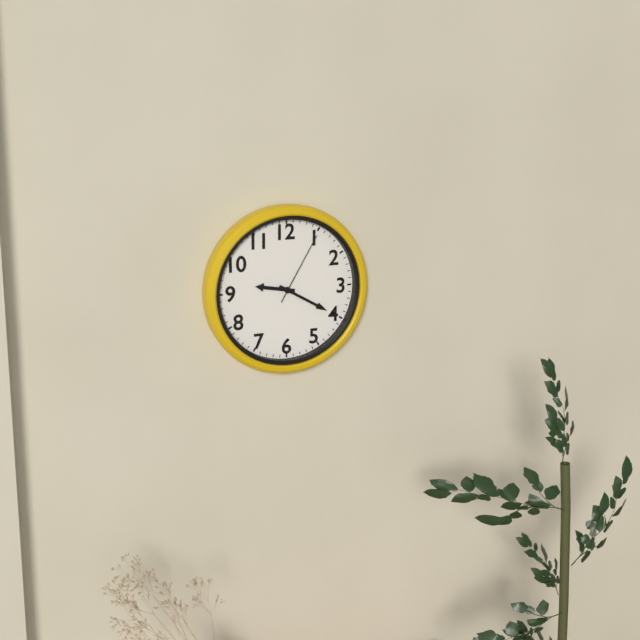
9.20.05
